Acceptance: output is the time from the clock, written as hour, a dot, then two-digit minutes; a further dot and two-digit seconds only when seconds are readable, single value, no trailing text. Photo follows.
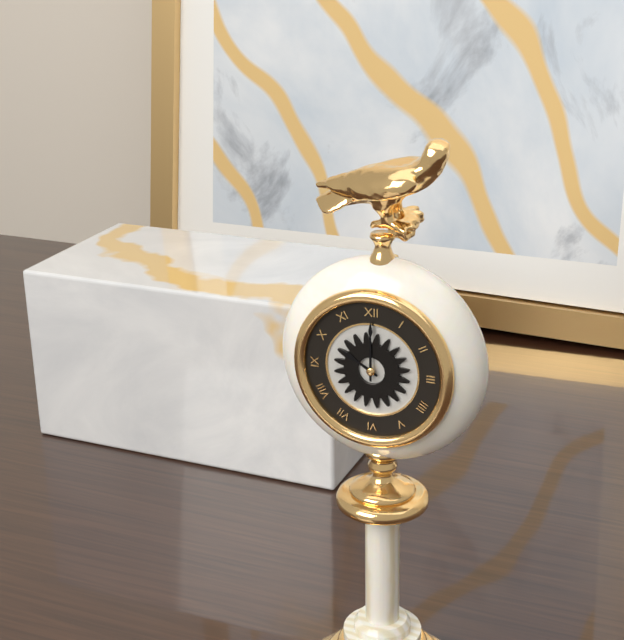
10.00
